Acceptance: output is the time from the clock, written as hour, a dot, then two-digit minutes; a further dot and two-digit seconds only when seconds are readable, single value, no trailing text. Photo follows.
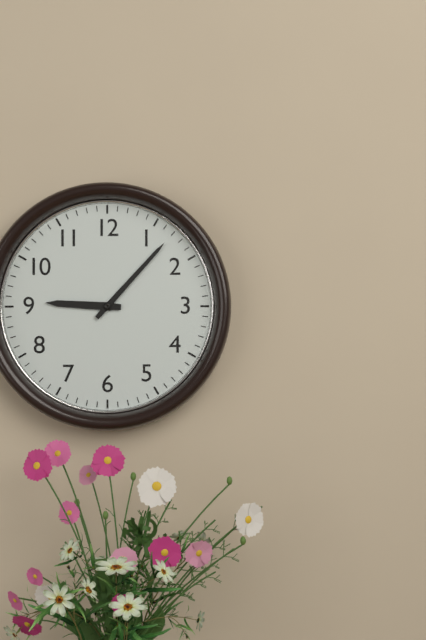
9.07
